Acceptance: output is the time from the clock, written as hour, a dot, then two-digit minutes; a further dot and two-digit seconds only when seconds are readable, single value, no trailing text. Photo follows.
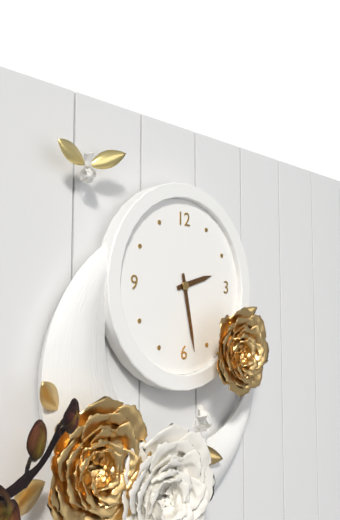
2.28
